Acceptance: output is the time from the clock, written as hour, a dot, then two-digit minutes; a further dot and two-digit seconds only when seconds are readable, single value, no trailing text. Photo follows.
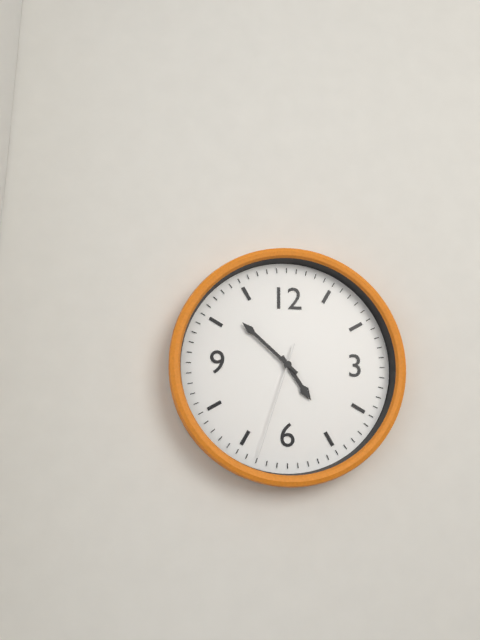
4.52.33
